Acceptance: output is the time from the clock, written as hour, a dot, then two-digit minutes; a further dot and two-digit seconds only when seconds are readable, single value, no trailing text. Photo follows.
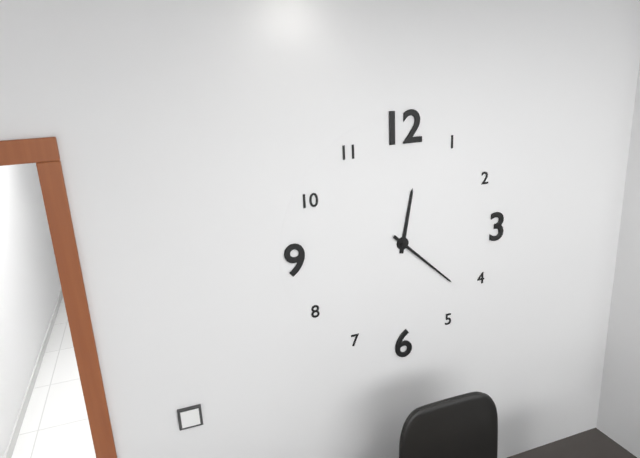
12.22
